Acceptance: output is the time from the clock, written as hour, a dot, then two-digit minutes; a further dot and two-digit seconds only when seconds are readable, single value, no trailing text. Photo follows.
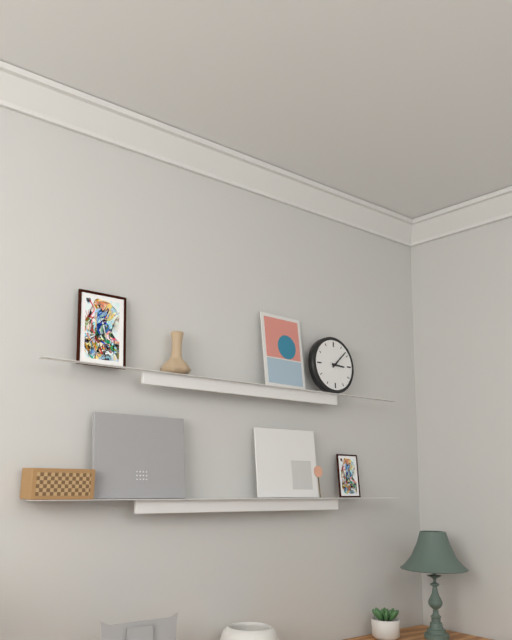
3.08
